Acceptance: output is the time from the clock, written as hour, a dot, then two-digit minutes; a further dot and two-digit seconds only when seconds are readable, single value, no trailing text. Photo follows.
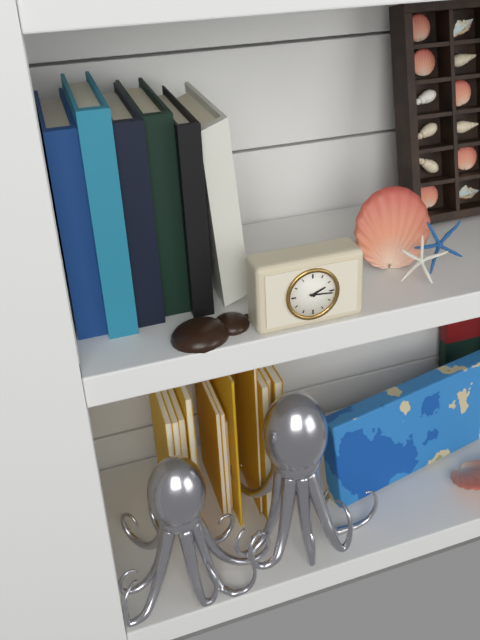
2.16
